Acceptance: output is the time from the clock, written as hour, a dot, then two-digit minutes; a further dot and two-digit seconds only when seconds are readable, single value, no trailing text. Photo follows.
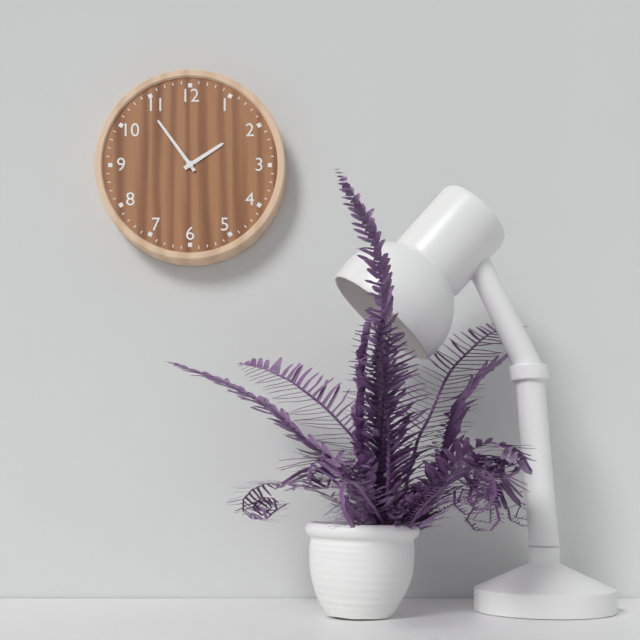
1.54
